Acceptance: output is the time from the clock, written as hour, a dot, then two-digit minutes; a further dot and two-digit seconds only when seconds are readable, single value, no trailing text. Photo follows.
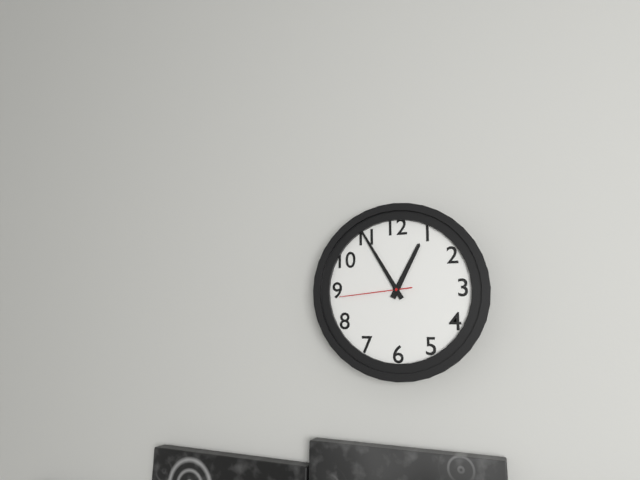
12.55.44
